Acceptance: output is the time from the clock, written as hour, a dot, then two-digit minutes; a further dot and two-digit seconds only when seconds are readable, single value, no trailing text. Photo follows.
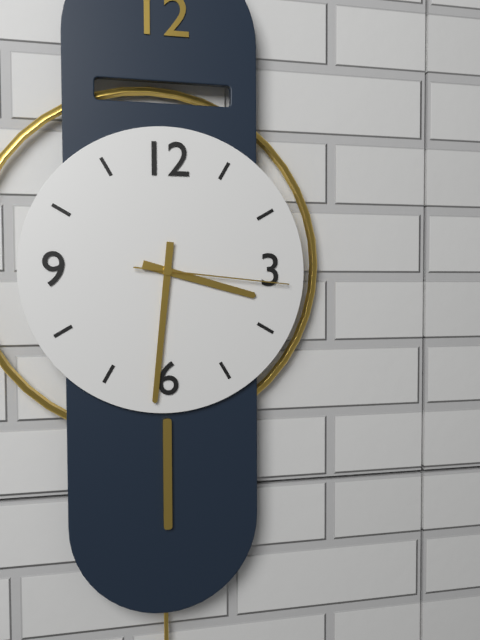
3.31.16
